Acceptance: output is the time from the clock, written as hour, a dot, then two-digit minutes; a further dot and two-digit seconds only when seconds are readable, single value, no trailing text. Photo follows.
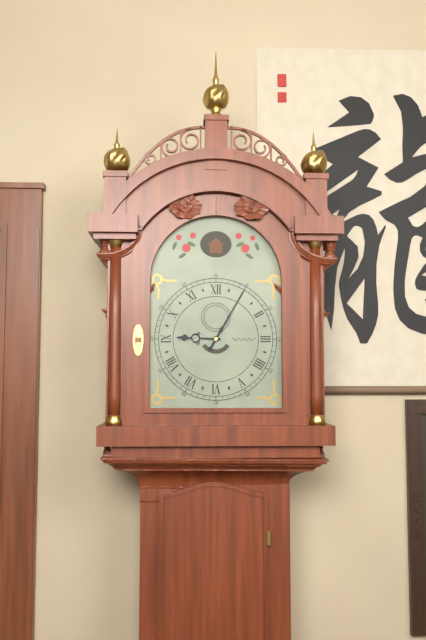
9.05
